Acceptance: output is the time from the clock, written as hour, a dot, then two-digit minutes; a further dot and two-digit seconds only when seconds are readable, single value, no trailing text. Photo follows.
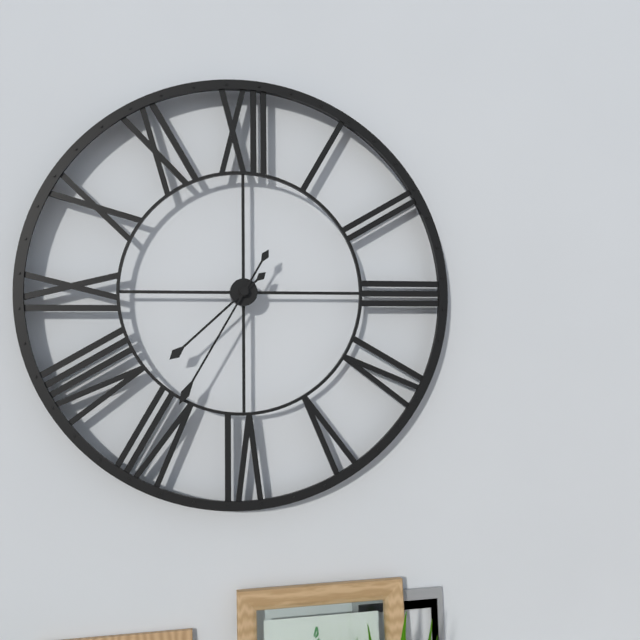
7.35
